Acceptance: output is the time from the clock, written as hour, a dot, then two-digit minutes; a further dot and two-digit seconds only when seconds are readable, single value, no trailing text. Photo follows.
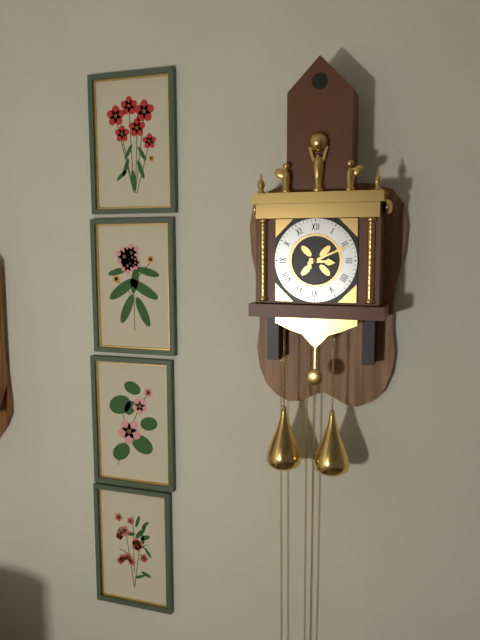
3.11
